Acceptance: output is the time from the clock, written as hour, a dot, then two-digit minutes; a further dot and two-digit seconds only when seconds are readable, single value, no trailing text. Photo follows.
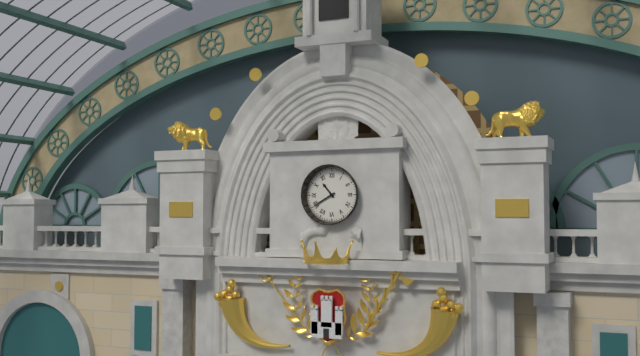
10.40
